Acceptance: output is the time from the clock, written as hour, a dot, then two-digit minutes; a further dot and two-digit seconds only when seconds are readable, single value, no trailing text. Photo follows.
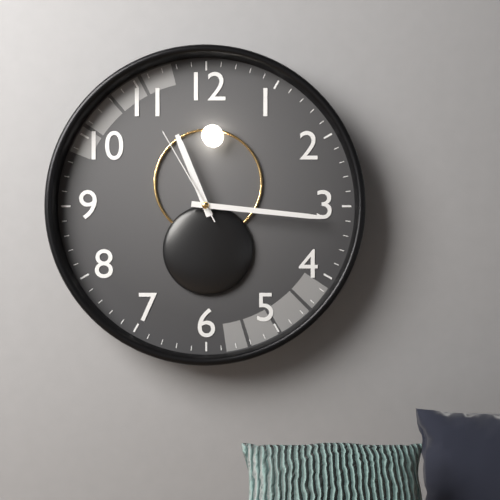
11.16.55
